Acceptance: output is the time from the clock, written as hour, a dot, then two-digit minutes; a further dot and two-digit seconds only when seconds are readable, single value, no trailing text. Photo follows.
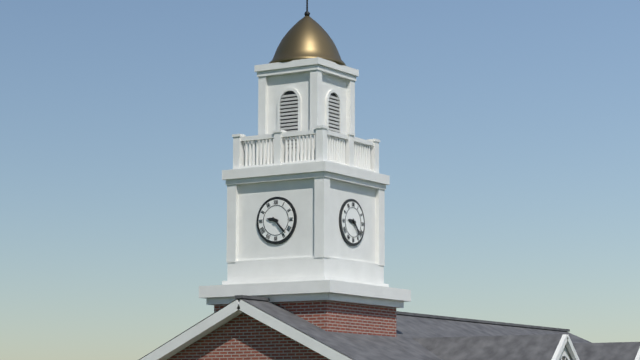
9.23
